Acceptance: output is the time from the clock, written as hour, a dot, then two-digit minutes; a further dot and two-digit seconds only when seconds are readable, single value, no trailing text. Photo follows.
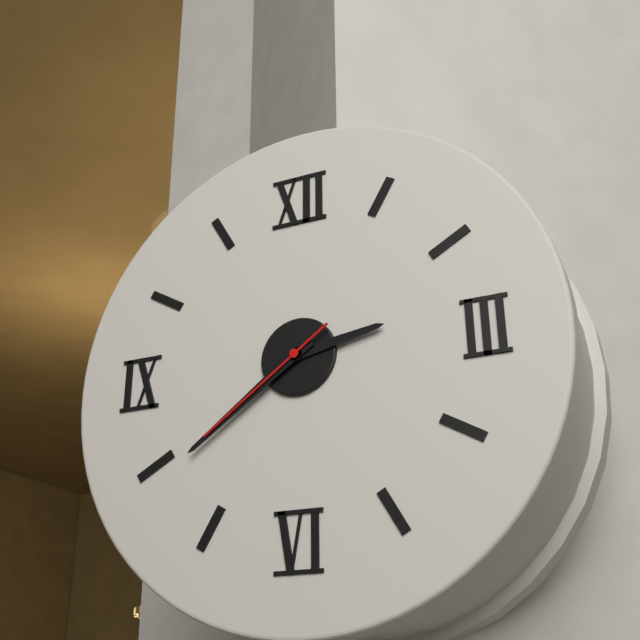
2.39.39
